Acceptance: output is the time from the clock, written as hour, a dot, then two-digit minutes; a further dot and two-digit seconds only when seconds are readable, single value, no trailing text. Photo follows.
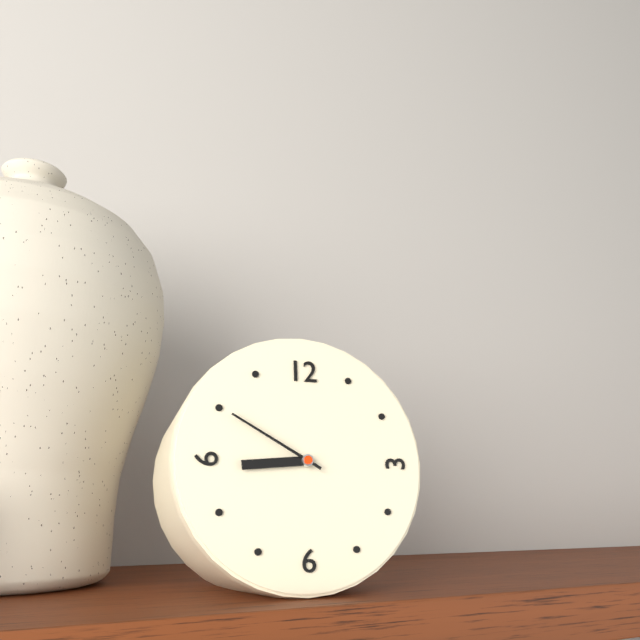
8.50
